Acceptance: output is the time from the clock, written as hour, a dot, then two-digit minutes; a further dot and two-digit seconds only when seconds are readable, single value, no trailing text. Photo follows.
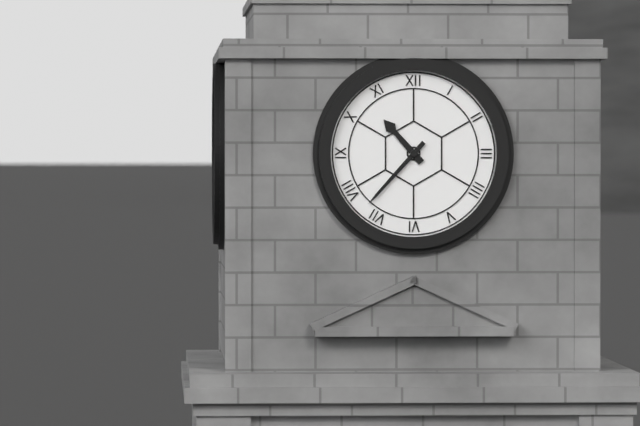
10.37
